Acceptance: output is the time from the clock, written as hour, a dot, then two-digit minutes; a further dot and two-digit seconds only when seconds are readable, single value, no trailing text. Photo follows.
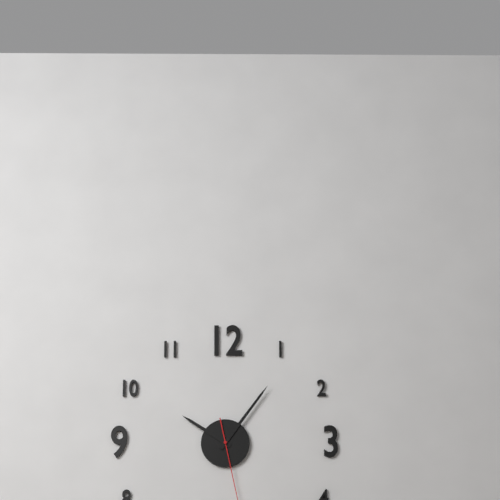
10.06
